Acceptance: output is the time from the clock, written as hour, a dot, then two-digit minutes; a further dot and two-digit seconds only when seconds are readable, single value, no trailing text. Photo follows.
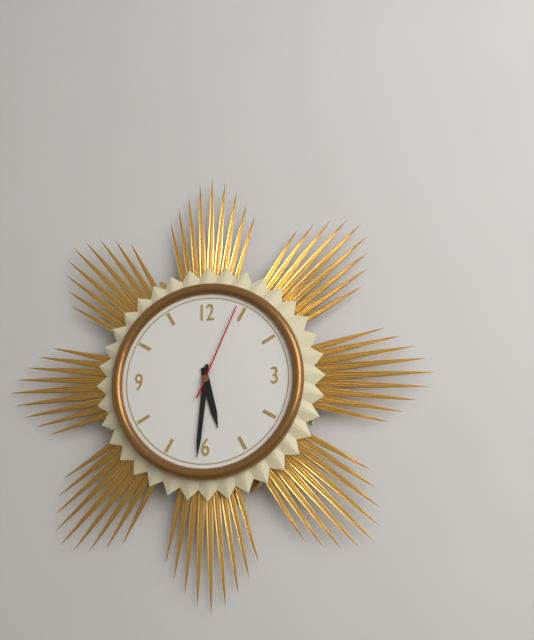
5.31.04
